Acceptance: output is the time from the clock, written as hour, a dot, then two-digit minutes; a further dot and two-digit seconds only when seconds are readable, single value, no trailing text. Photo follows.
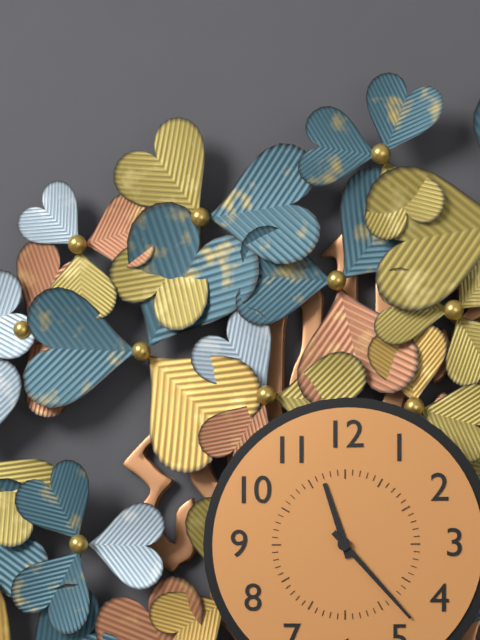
11.23
